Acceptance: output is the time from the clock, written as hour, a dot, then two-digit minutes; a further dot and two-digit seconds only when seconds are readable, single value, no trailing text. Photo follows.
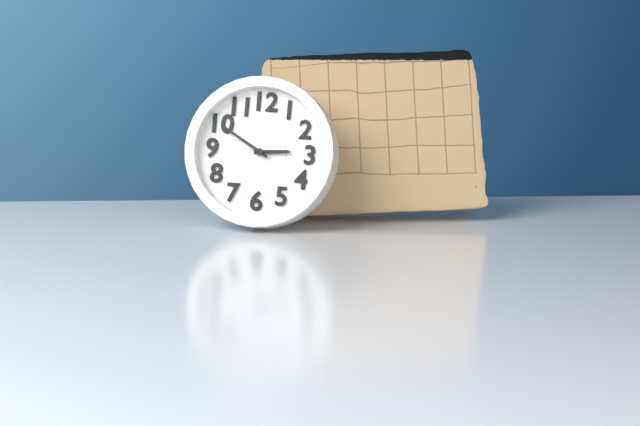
2.50
